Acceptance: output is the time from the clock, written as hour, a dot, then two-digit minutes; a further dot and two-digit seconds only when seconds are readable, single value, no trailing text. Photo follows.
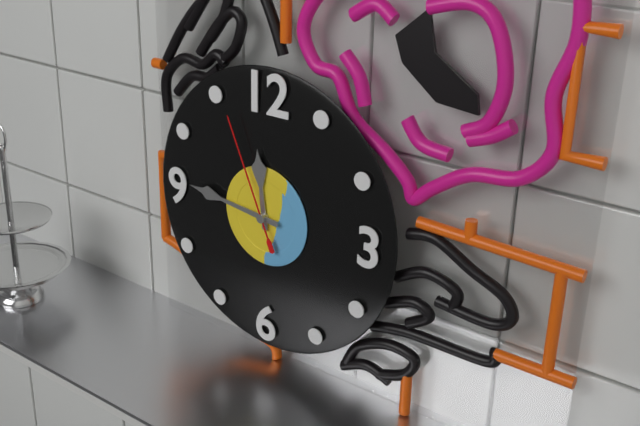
11.46.56
